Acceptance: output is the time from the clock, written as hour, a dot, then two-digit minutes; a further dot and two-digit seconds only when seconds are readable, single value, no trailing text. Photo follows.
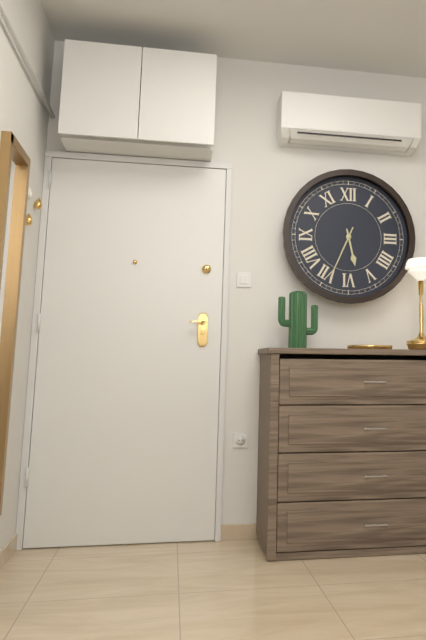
5.34
